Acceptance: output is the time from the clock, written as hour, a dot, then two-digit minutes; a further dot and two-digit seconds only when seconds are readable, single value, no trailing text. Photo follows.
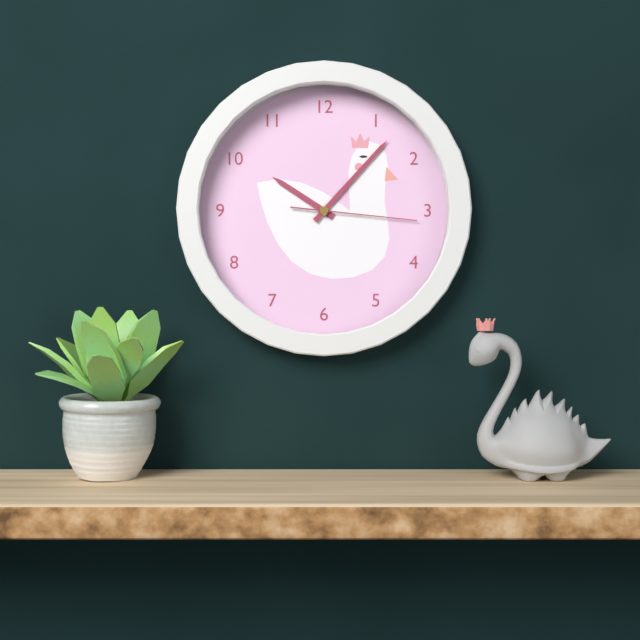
10.07.16
